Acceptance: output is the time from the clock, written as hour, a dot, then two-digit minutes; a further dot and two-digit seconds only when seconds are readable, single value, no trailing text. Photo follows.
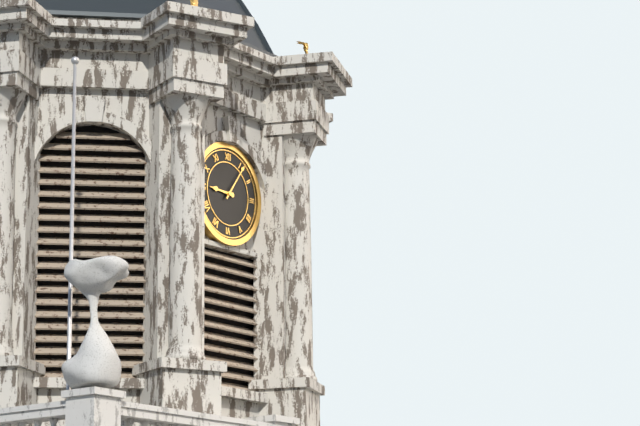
9.06
